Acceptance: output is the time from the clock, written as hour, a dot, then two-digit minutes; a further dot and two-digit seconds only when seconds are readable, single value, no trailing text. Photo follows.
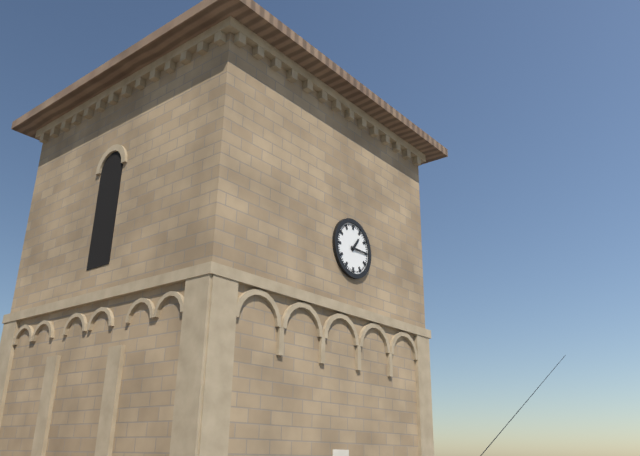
1.15
